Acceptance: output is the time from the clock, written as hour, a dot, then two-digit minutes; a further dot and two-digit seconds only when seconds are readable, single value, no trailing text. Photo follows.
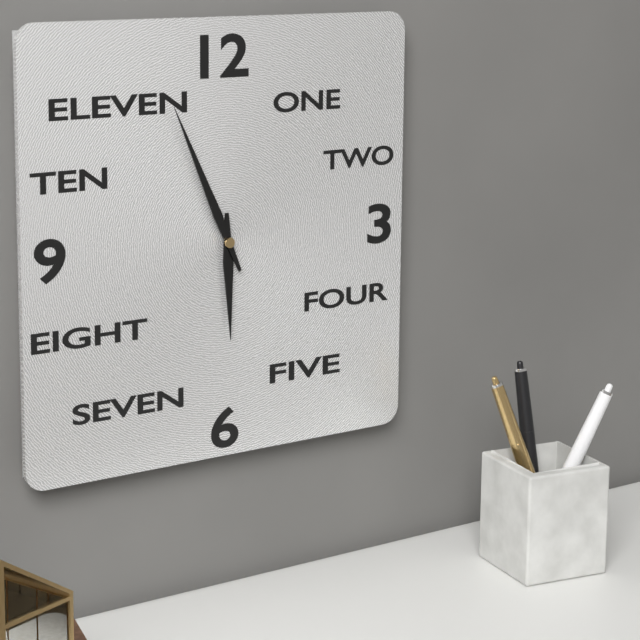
5.56
